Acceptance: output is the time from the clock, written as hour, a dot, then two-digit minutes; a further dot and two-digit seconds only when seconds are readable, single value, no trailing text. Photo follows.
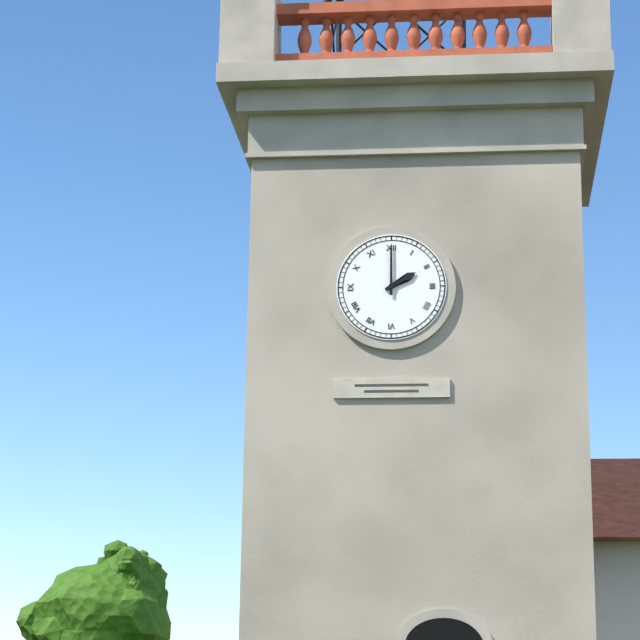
2.00
